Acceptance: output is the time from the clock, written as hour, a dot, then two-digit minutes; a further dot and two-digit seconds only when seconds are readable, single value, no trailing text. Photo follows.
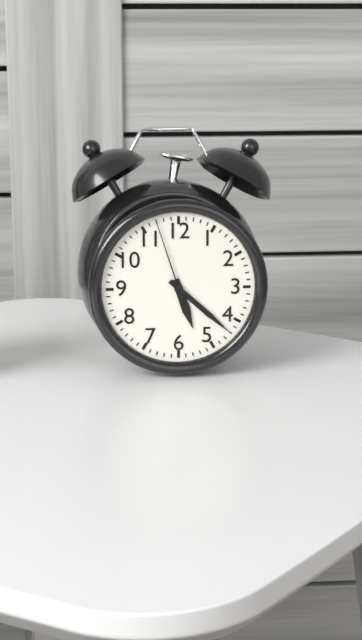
5.22.57
